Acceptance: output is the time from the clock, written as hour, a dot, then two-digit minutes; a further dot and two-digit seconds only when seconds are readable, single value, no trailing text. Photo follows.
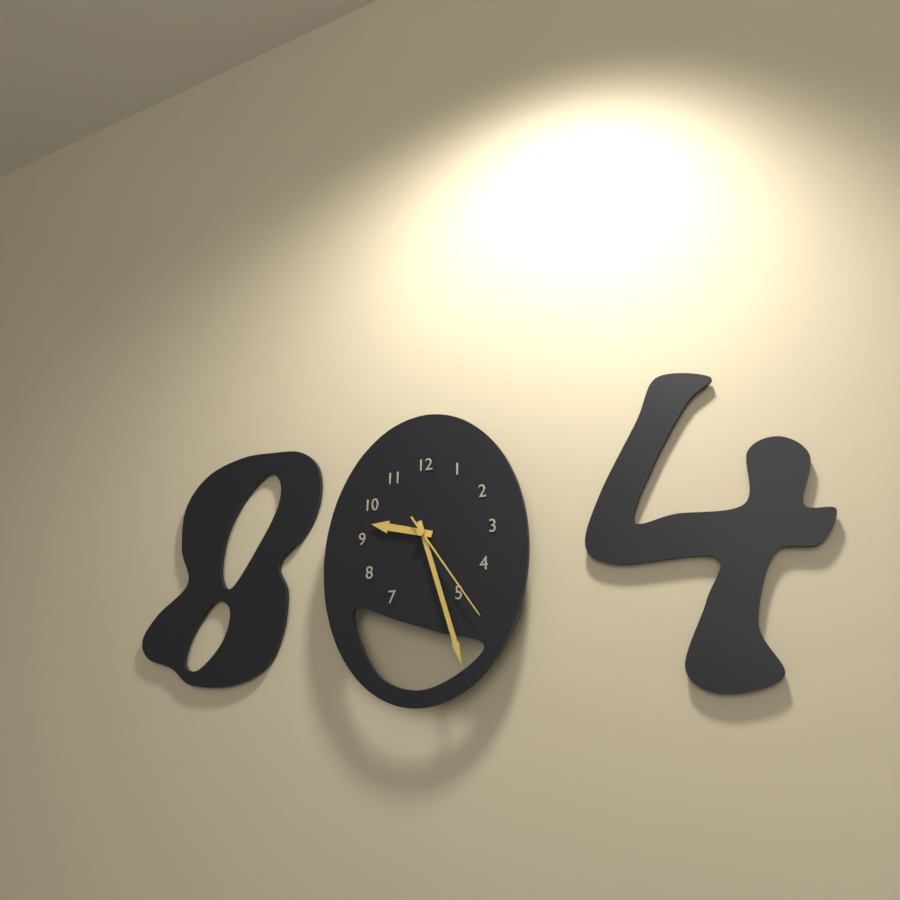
9.27.24
